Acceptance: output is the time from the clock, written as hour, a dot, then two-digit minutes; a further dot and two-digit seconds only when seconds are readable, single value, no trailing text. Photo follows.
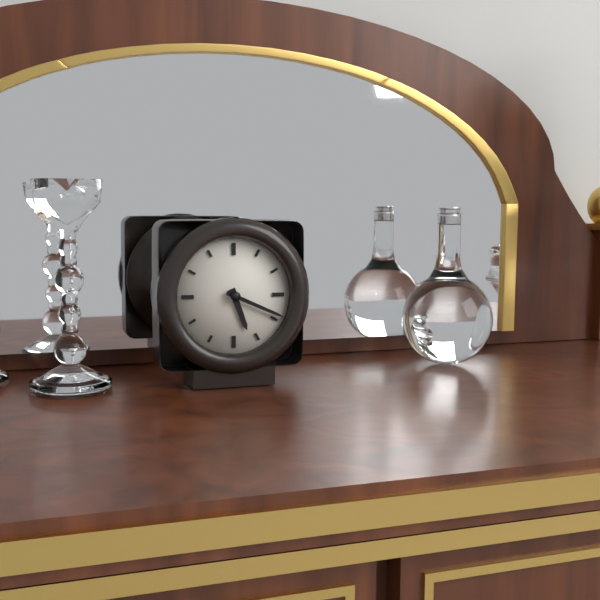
5.19
